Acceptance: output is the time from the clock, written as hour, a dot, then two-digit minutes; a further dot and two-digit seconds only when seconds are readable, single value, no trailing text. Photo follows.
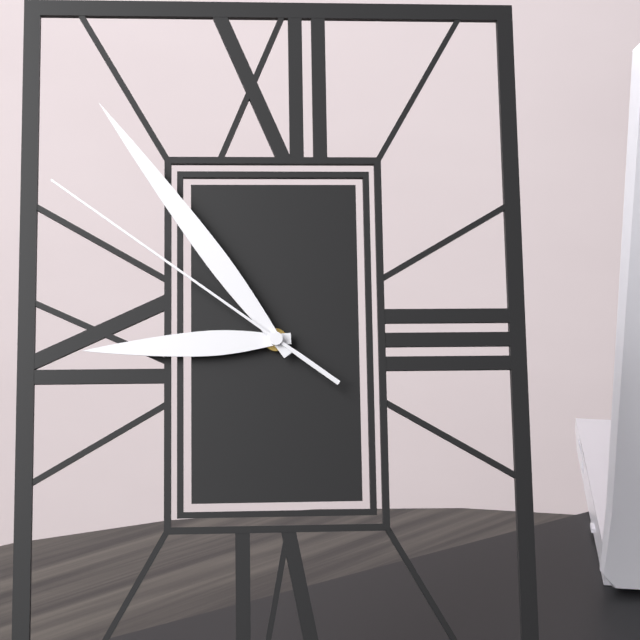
8.54.51
